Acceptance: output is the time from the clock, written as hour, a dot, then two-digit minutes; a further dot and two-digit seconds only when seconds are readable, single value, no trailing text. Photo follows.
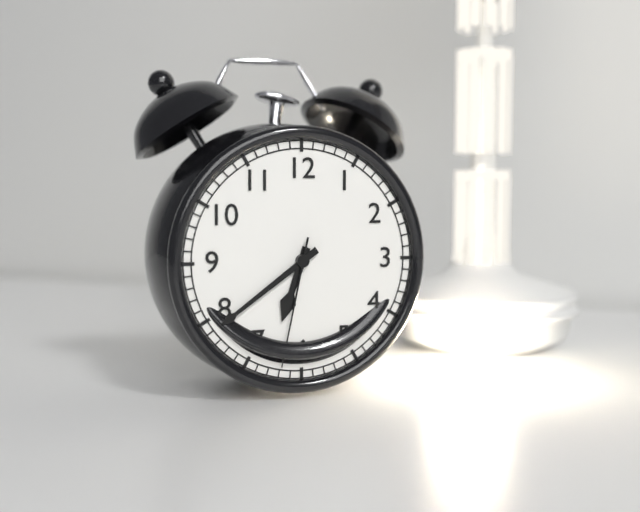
6.39.32
